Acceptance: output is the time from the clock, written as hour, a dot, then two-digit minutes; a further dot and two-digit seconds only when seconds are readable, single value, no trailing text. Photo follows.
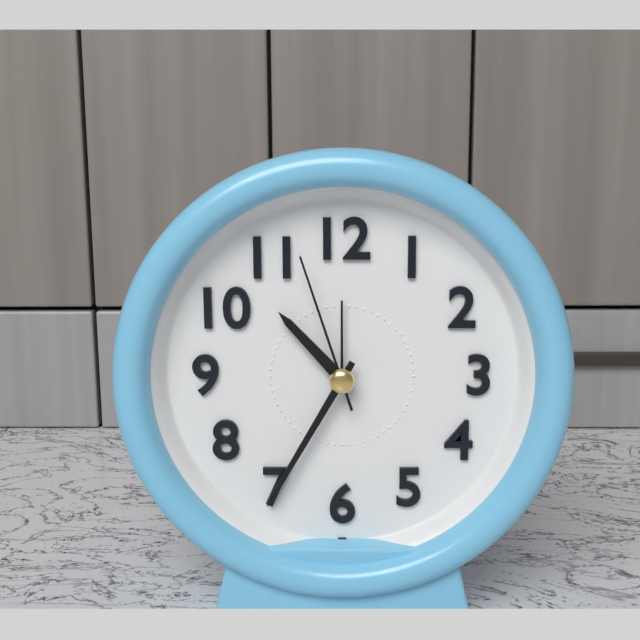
10.35.57
